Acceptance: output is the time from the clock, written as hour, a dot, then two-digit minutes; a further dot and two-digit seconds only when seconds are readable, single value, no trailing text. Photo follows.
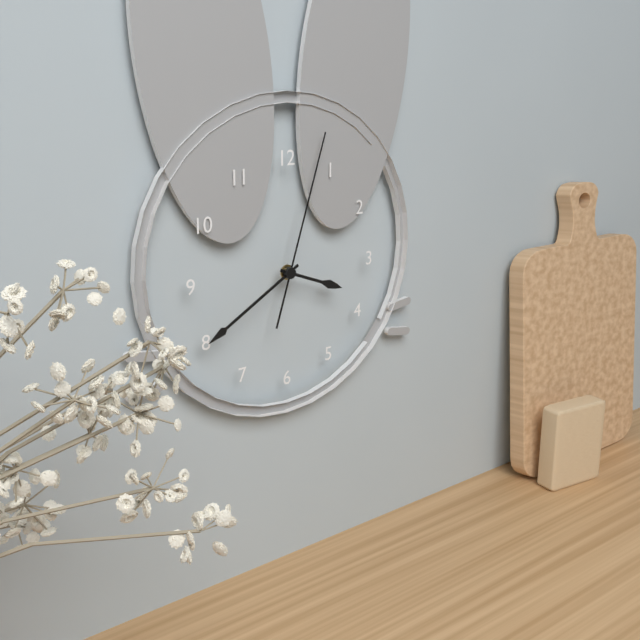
3.40.03
